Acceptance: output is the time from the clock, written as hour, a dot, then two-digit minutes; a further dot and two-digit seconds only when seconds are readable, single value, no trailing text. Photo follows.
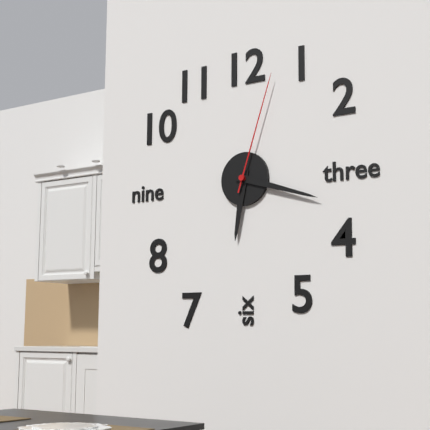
6.18.03
